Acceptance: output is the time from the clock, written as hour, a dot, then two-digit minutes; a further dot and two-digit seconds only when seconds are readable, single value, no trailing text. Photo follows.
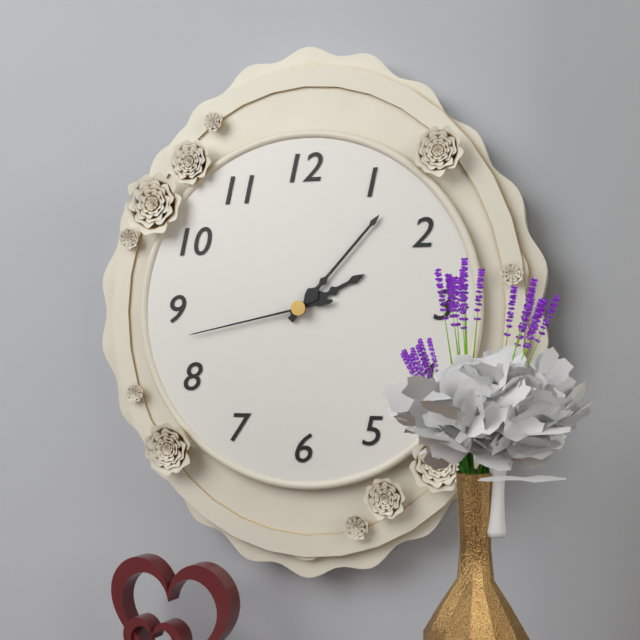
2.07.43
